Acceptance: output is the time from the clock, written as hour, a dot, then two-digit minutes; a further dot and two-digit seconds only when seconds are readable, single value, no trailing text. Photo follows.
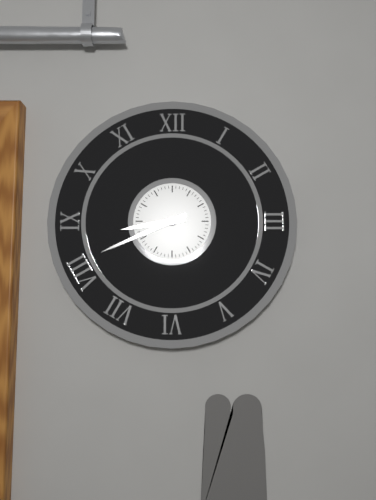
8.41
